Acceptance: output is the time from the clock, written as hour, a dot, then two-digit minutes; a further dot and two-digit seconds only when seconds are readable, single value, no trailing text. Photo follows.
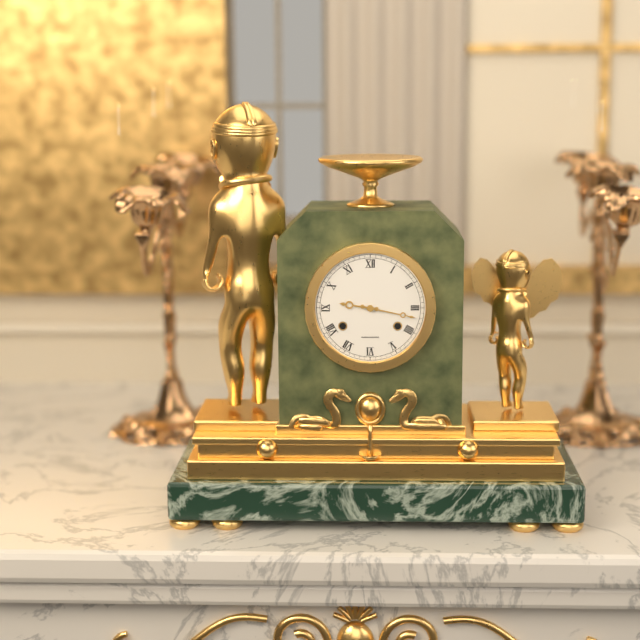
9.17
